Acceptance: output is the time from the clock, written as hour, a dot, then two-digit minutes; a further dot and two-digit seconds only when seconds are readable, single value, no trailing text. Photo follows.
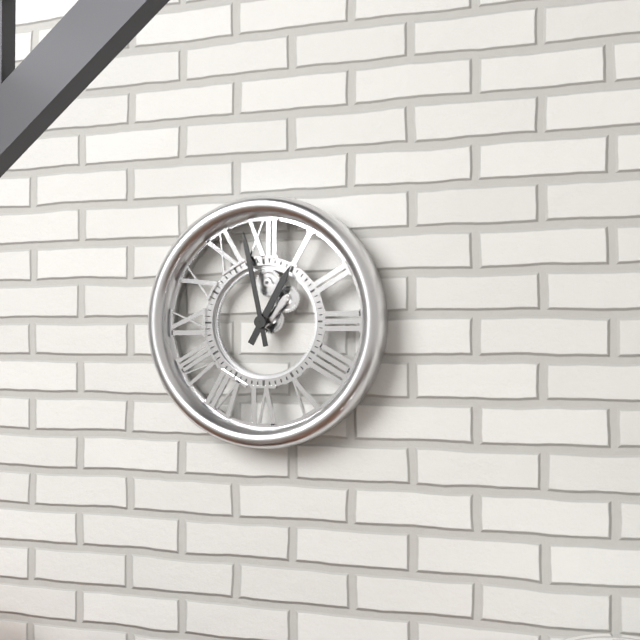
12.58
